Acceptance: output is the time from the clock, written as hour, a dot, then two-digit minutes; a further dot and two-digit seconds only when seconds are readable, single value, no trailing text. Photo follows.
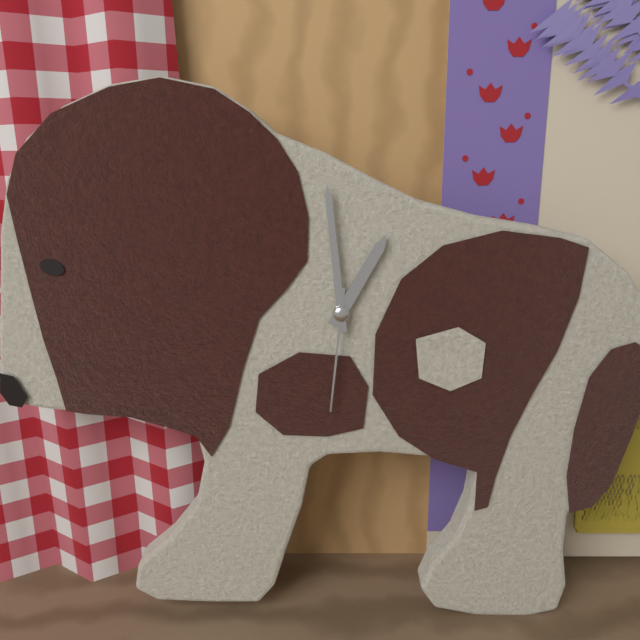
12.59.31
